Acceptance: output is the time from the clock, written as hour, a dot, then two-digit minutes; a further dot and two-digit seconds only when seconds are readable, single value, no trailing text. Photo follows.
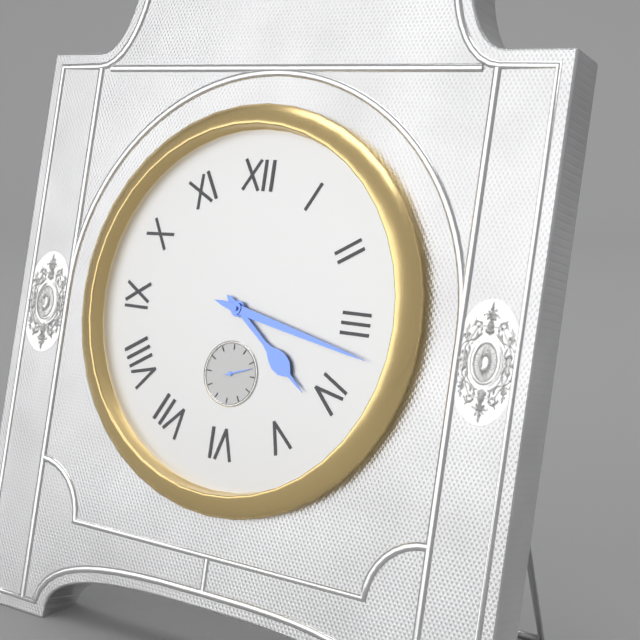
4.17
